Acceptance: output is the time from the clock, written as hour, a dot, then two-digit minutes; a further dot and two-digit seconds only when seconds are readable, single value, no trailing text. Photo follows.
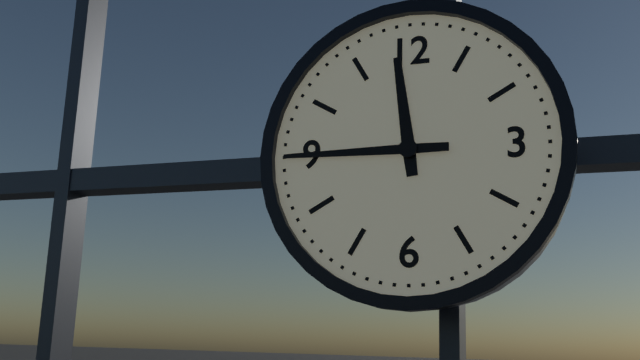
11.45
